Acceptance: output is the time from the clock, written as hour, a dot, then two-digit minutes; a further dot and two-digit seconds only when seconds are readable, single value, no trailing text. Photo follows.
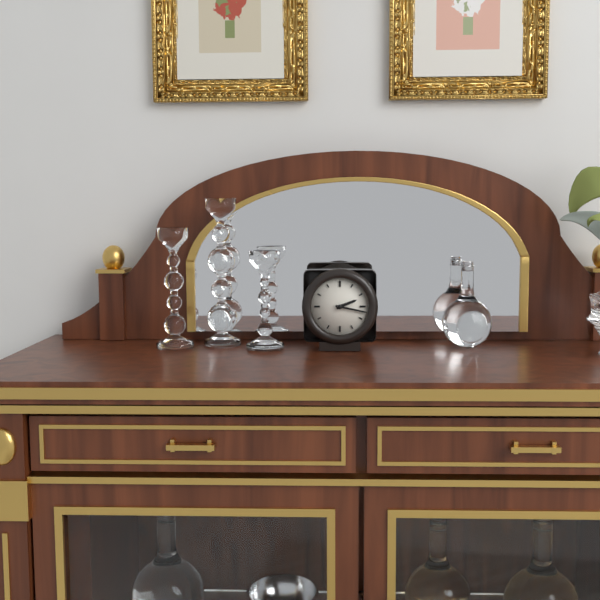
2.17
